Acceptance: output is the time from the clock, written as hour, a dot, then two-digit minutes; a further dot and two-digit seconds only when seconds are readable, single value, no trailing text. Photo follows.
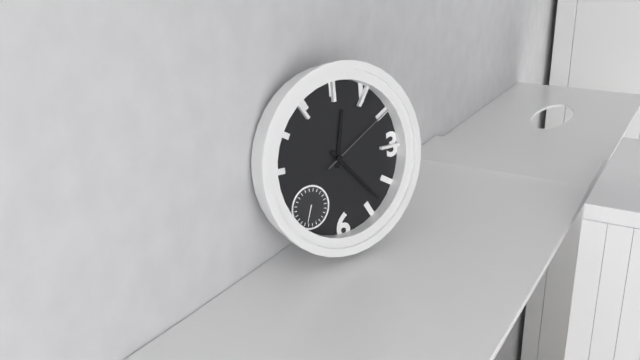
12.23.10
